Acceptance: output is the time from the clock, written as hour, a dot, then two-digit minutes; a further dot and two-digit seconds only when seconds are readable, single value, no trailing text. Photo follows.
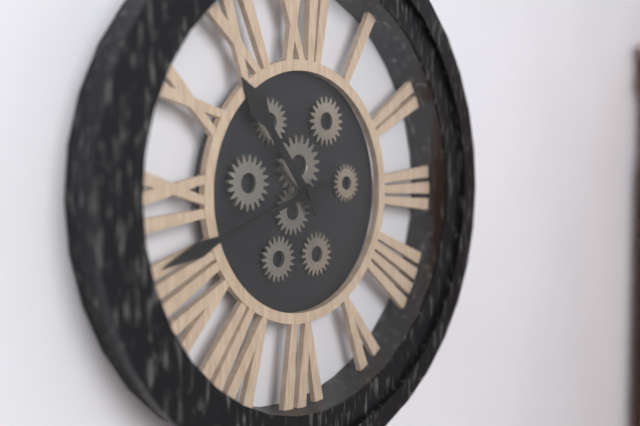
10.42
